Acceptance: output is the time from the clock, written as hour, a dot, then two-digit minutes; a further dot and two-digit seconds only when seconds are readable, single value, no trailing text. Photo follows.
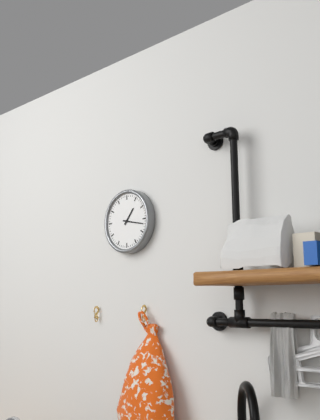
1.17
